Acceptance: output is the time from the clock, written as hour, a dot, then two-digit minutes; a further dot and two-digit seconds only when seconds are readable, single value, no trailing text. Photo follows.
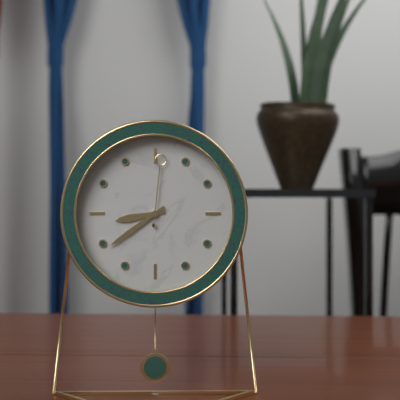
8.39.01
